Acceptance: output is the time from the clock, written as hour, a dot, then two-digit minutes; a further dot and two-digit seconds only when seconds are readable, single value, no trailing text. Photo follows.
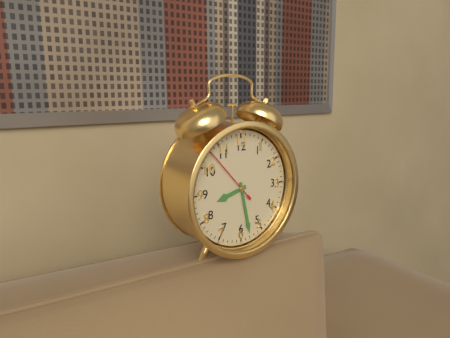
8.28.53
